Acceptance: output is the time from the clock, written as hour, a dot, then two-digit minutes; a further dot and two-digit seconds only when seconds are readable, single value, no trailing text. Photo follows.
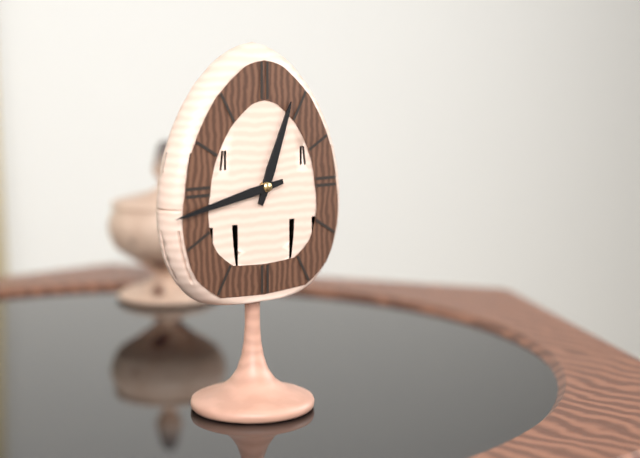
12.43
